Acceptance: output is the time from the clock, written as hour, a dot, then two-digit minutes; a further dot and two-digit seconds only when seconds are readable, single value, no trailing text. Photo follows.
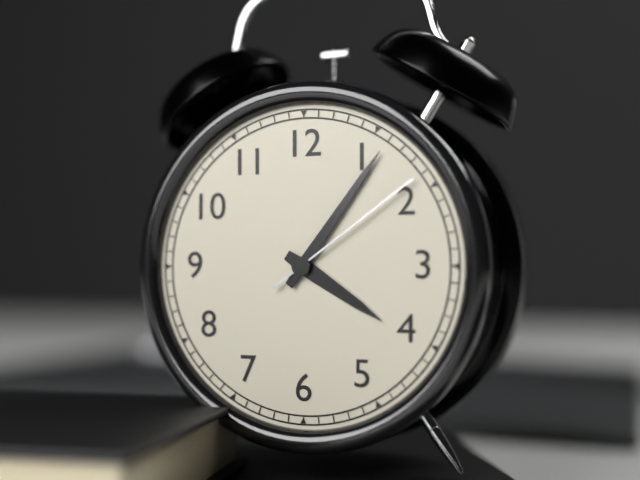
4.06.09
